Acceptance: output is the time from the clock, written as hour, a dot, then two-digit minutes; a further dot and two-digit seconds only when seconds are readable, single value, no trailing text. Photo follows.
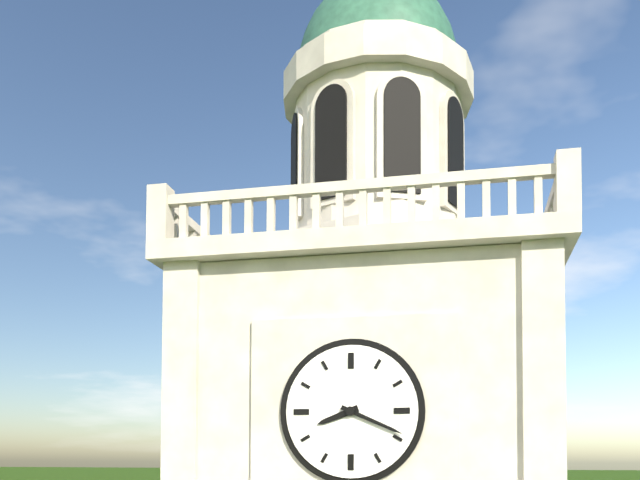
8.19
